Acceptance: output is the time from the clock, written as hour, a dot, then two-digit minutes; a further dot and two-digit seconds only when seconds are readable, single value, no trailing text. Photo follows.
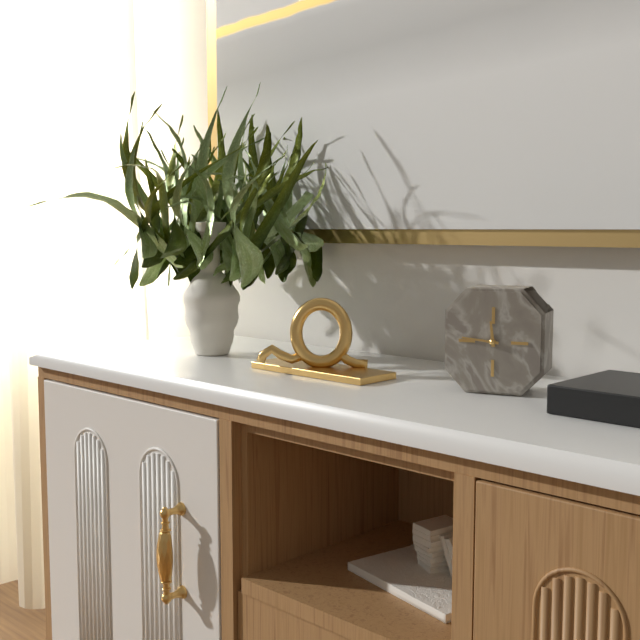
11.46
